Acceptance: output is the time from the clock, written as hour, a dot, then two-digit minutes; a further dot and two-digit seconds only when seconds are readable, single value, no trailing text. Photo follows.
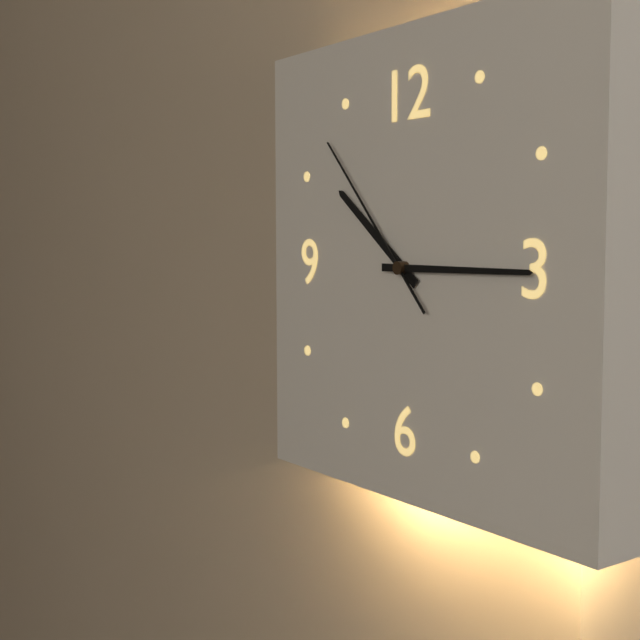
10.15.53
